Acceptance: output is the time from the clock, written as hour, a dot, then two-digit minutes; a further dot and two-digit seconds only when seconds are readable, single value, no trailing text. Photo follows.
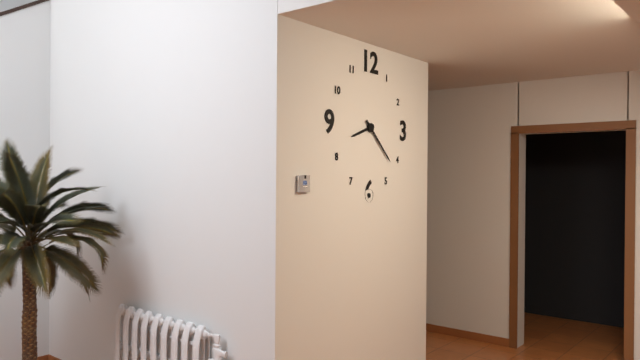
8.22
